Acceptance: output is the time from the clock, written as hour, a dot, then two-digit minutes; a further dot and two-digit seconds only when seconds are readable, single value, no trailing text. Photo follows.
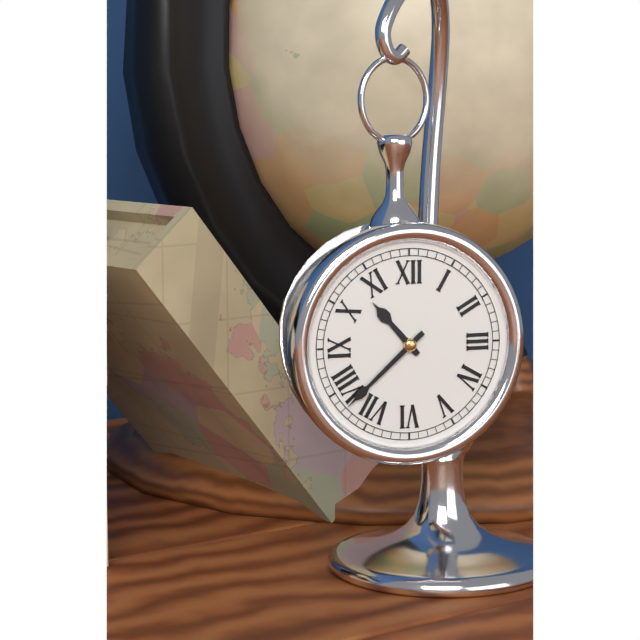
10.38
